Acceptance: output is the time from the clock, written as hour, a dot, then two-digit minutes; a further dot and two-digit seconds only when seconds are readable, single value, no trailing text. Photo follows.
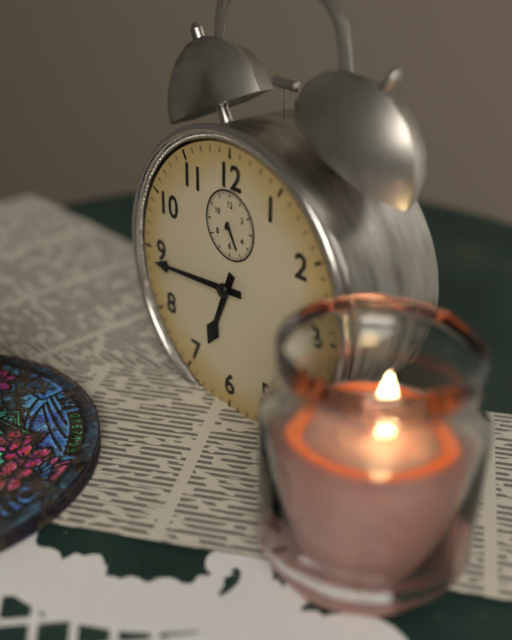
6.44
